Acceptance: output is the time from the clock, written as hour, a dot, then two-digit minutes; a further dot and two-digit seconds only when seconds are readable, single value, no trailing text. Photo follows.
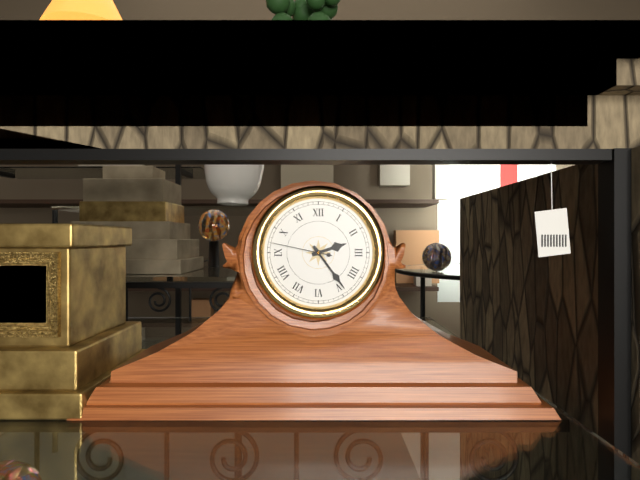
2.24.47
